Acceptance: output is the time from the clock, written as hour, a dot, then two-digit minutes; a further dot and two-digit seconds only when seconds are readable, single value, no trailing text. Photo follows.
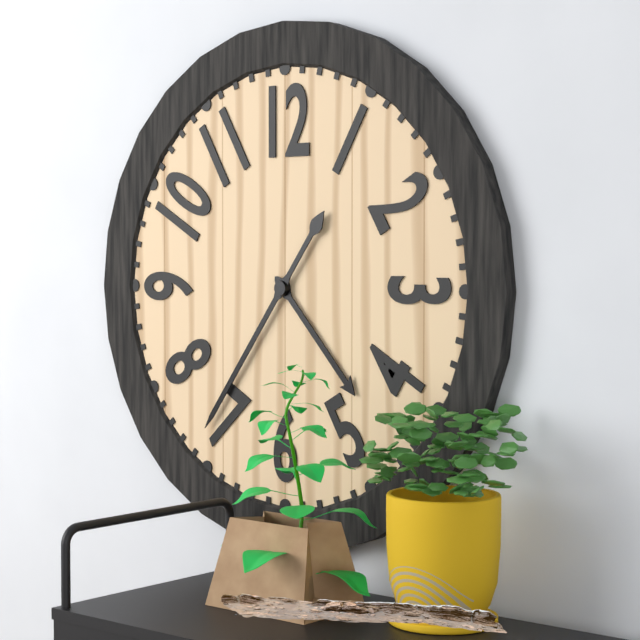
4.36
